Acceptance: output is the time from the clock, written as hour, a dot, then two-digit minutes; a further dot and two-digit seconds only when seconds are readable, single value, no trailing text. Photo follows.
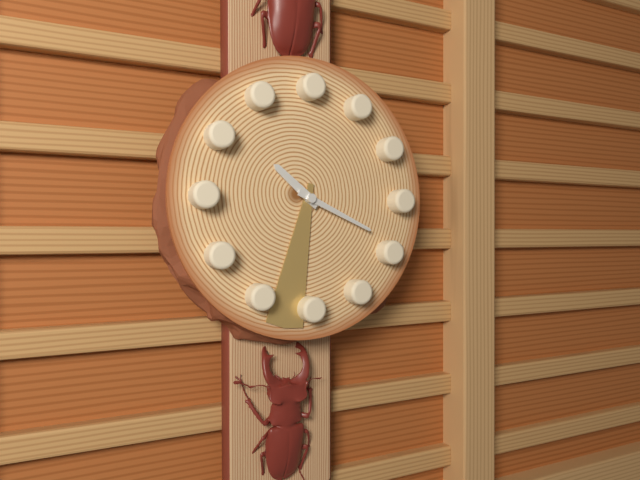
10.19.32
